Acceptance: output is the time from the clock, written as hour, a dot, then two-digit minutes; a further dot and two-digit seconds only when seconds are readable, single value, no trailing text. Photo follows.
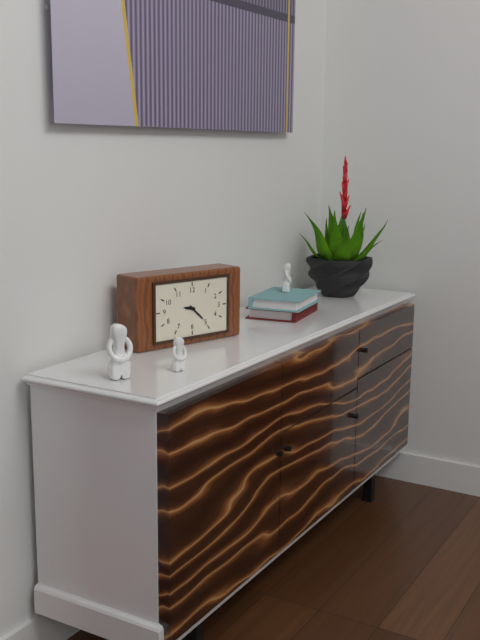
9.22
